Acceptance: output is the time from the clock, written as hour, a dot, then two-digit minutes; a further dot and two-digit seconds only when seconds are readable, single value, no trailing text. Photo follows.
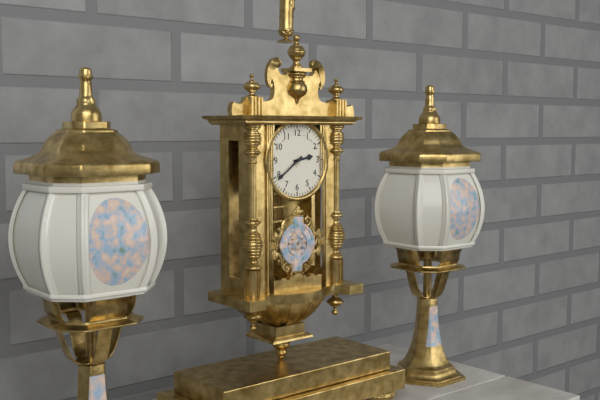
2.39
